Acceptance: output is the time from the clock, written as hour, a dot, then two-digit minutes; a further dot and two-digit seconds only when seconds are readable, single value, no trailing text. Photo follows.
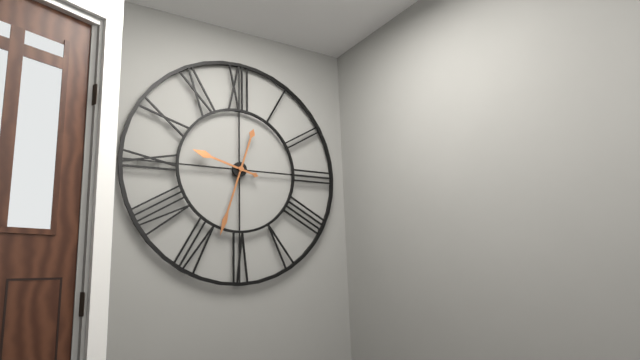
9.33
